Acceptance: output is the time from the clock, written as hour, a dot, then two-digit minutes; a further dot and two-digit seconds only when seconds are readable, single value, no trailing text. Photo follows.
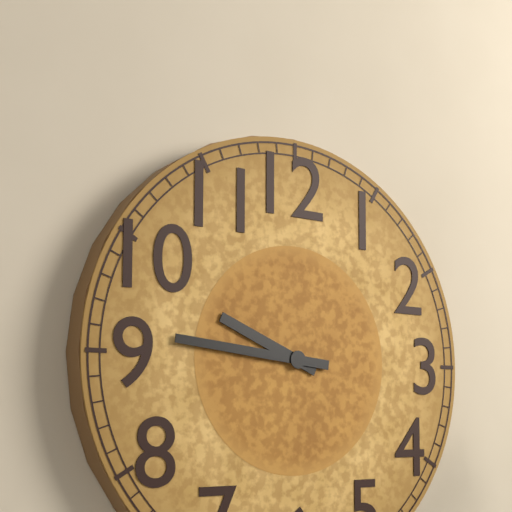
9.46
